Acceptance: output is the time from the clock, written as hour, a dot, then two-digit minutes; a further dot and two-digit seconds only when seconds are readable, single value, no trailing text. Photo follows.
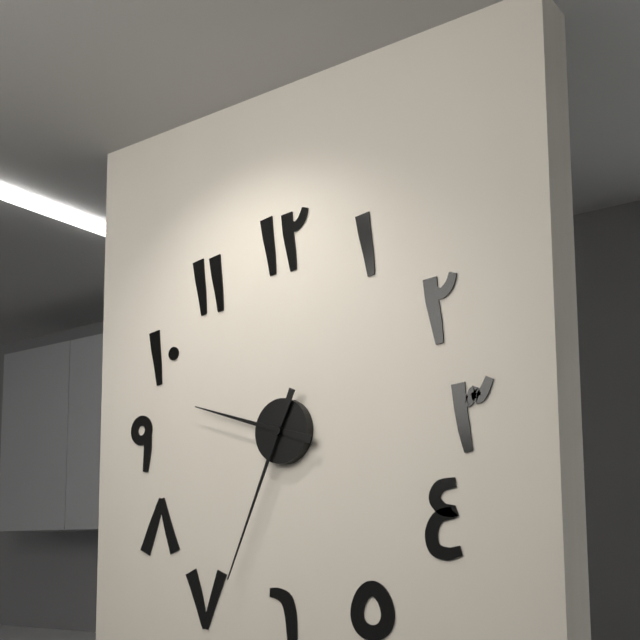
9.34
